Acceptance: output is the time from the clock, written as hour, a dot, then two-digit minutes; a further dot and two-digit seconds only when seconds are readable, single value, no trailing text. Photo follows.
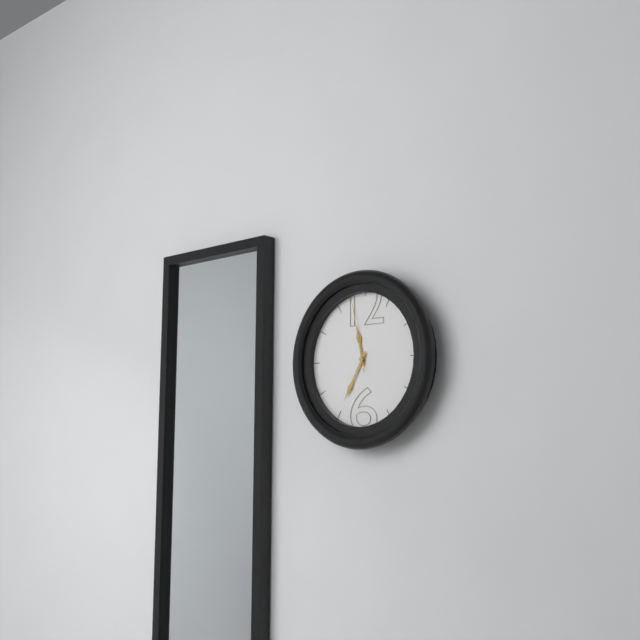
11.35.58
